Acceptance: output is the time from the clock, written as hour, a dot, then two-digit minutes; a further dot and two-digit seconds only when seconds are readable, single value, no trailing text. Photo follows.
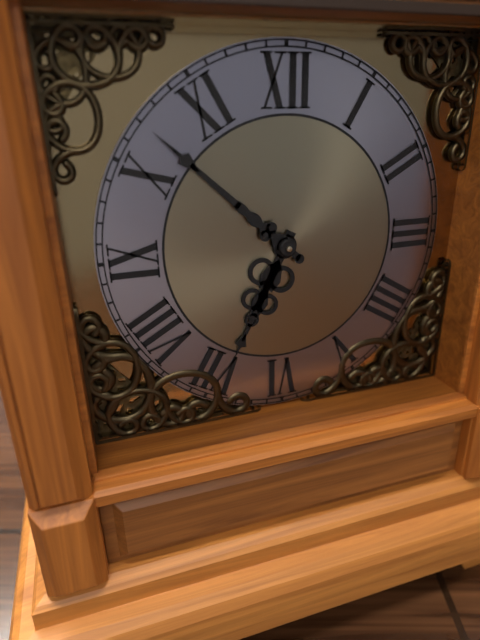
6.52
